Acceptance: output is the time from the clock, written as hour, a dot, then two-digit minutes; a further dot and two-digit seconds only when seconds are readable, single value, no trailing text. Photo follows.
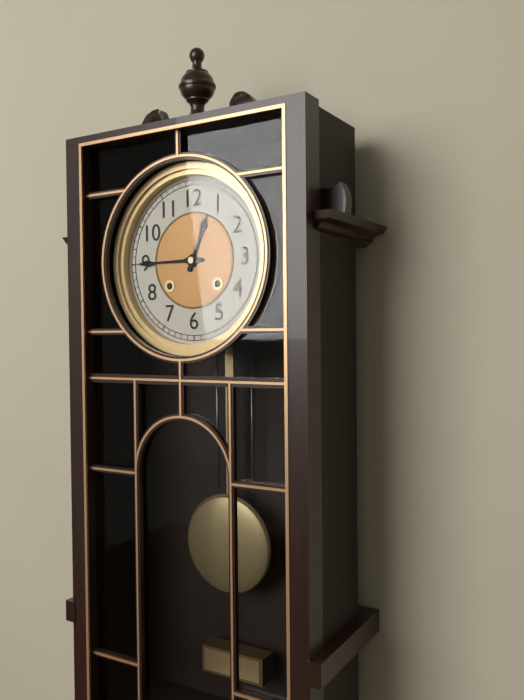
12.45
